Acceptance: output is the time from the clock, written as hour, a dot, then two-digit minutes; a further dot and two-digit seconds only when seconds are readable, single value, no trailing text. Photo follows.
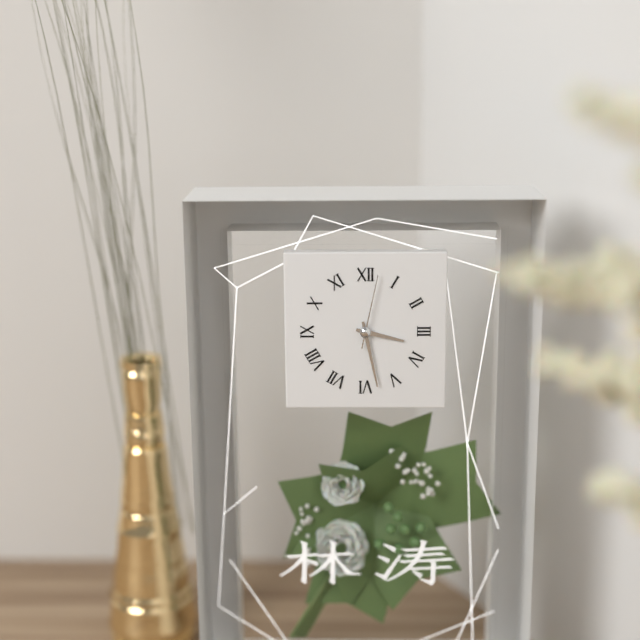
3.28.02
